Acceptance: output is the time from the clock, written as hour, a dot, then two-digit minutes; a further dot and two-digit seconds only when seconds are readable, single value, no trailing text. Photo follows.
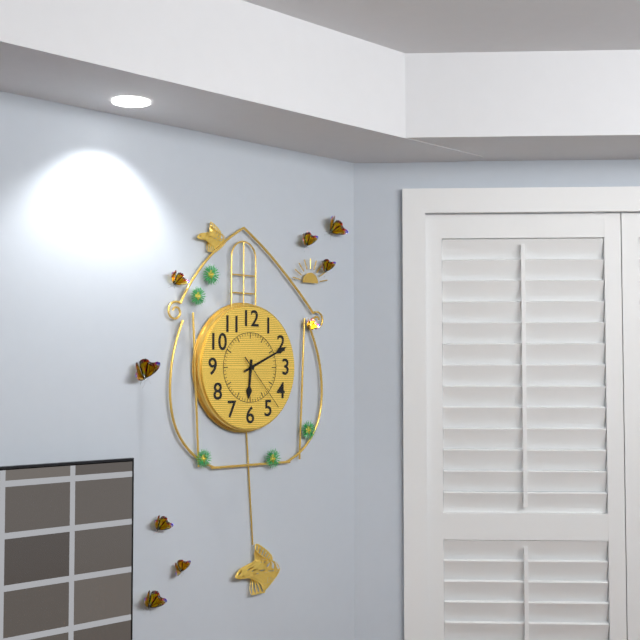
6.11.23
